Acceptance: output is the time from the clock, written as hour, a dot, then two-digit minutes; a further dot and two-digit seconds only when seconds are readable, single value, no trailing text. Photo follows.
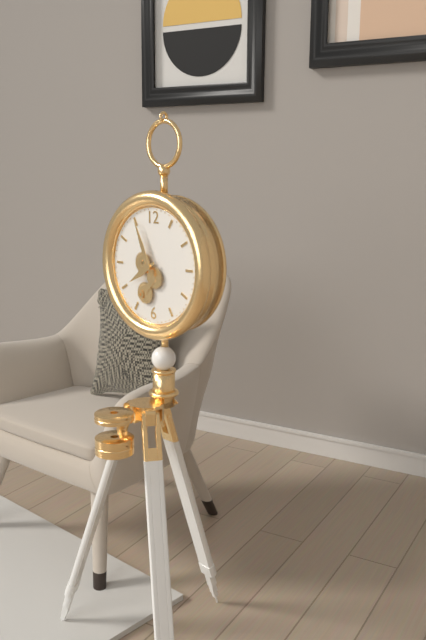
7.56
